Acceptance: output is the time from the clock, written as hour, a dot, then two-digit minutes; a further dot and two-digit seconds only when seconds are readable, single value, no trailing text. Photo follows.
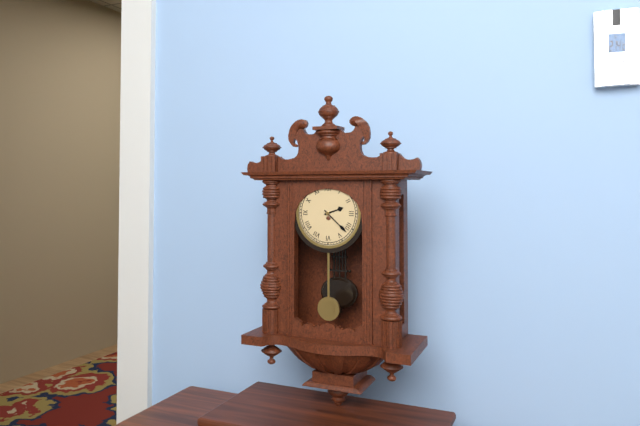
2.22
